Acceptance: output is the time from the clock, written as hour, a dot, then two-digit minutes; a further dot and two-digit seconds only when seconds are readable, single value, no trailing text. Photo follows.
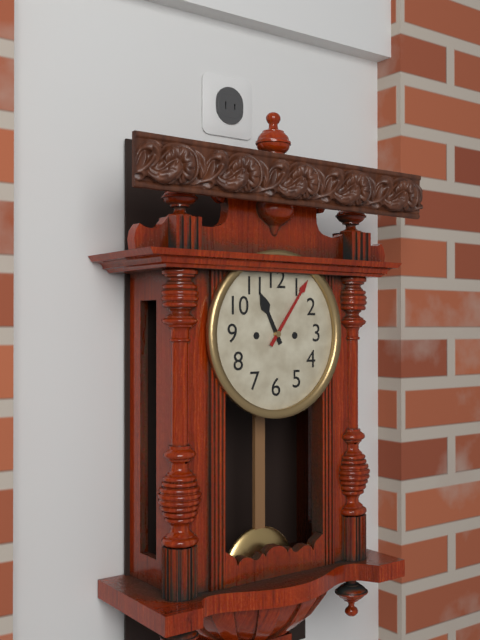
11.06
